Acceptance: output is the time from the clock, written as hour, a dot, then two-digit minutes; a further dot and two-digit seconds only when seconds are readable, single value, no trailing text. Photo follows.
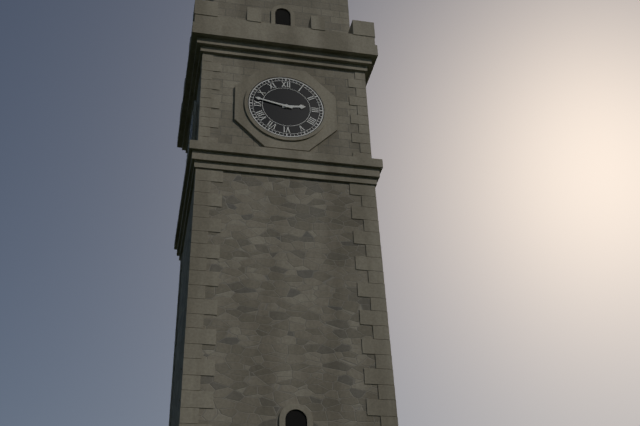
2.47
